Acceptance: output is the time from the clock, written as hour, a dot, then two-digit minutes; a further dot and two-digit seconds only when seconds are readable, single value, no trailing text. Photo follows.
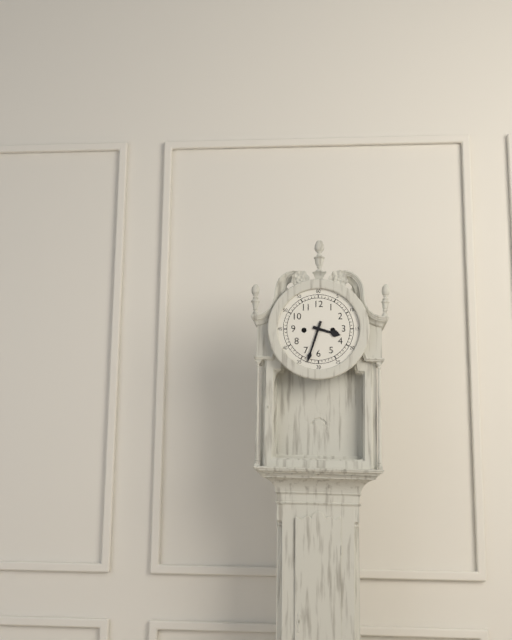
3.33
